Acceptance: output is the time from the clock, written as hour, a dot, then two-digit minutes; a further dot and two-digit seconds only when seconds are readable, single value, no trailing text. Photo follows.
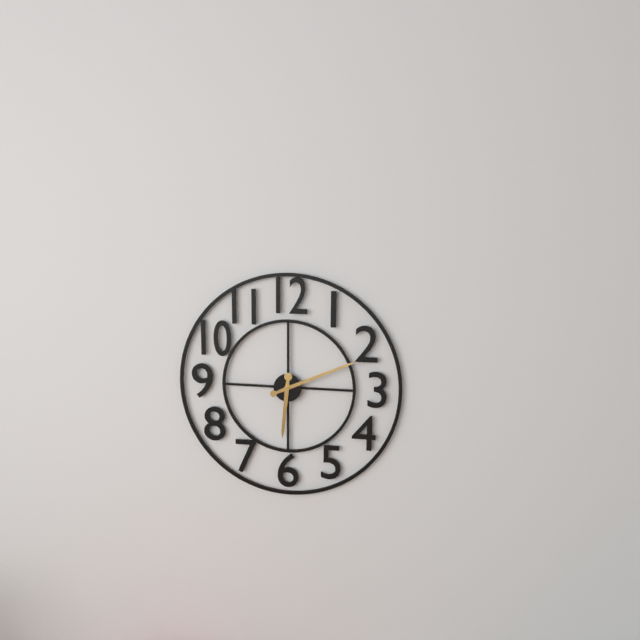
6.11
